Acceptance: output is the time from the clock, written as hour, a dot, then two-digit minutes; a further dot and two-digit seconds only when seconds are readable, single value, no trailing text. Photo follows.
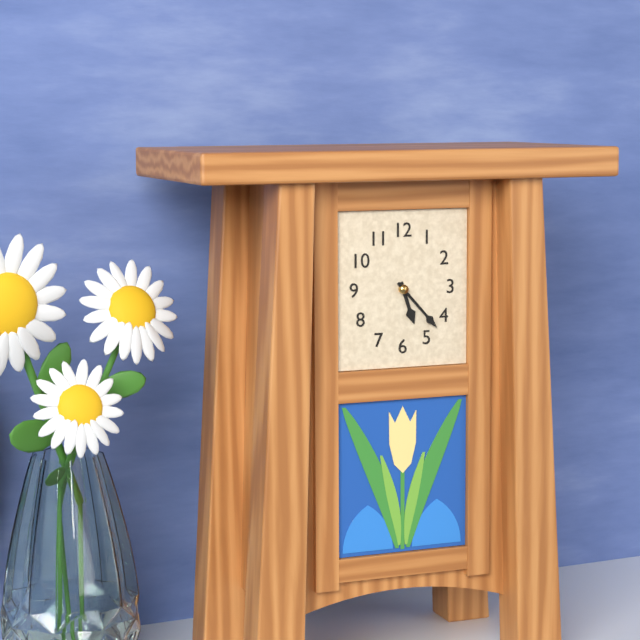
5.23
